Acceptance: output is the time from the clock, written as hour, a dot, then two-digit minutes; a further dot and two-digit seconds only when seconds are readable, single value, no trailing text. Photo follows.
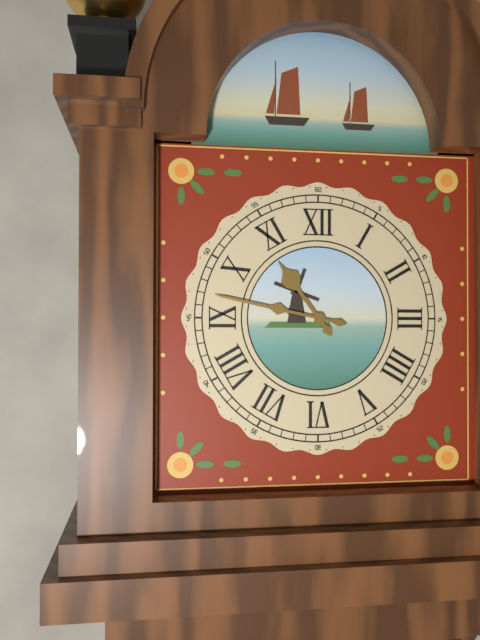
10.47
